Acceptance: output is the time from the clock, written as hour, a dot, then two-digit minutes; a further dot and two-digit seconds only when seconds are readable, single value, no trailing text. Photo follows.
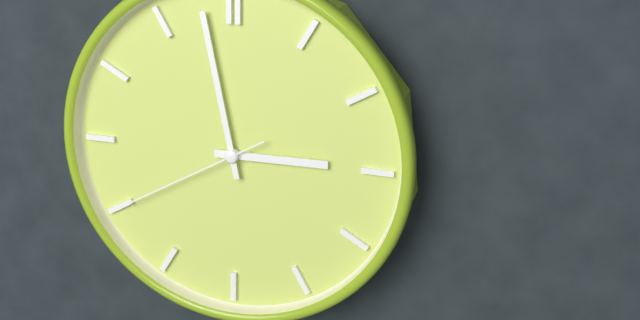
2.58.40
